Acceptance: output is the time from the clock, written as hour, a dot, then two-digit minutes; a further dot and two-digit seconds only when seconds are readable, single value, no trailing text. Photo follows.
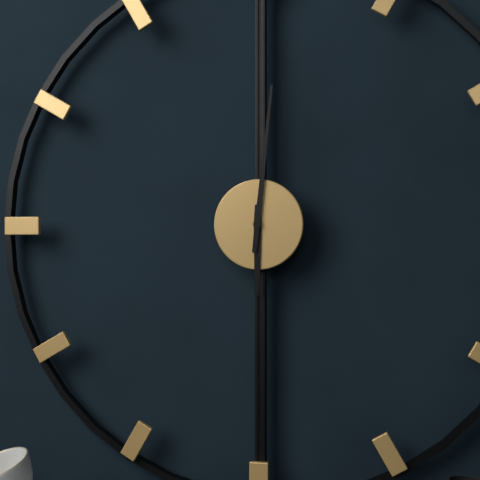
6.01
